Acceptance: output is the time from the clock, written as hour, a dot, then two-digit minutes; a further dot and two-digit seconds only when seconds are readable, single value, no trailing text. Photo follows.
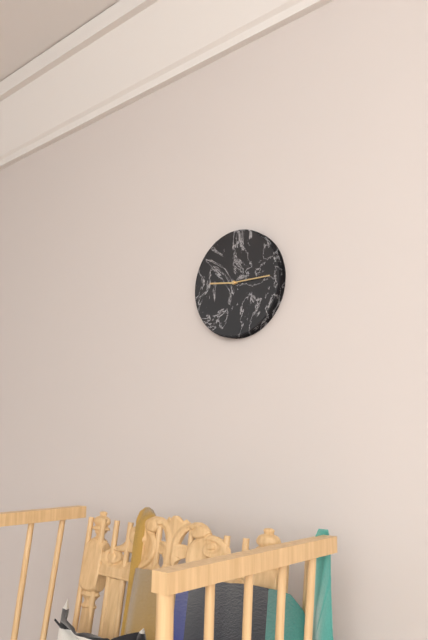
9.15
